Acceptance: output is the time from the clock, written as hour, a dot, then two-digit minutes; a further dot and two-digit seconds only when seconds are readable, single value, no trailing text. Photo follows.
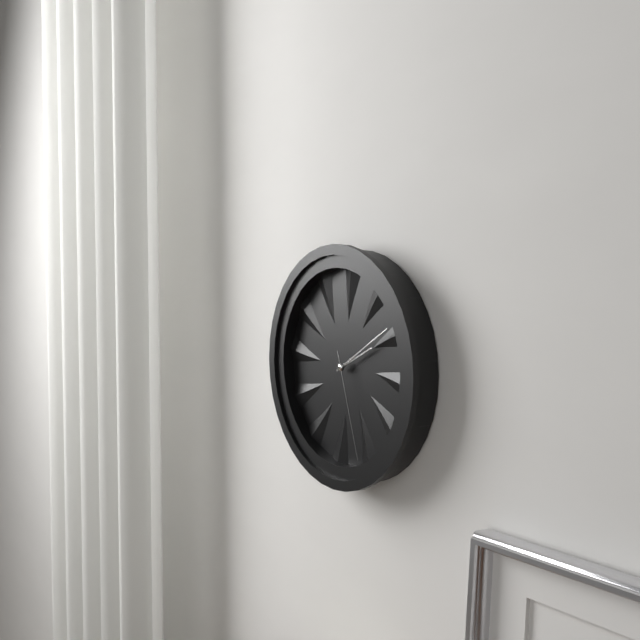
2.10.27
